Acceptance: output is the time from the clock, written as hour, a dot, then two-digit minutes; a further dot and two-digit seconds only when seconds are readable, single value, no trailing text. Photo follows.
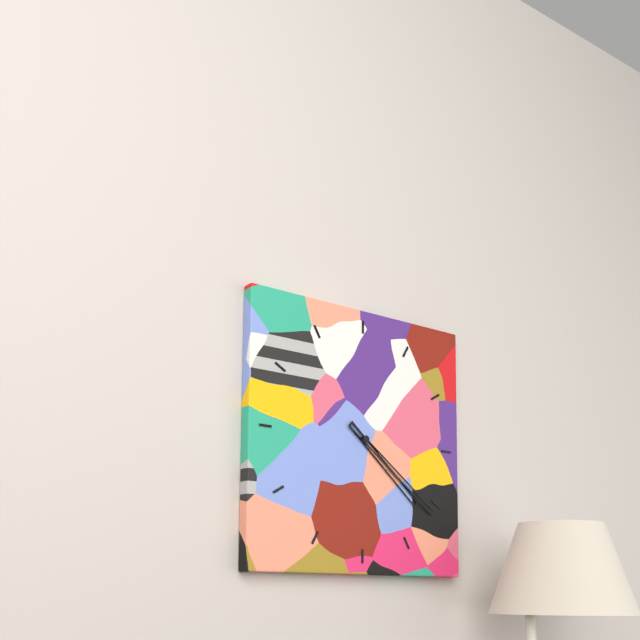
4.21
